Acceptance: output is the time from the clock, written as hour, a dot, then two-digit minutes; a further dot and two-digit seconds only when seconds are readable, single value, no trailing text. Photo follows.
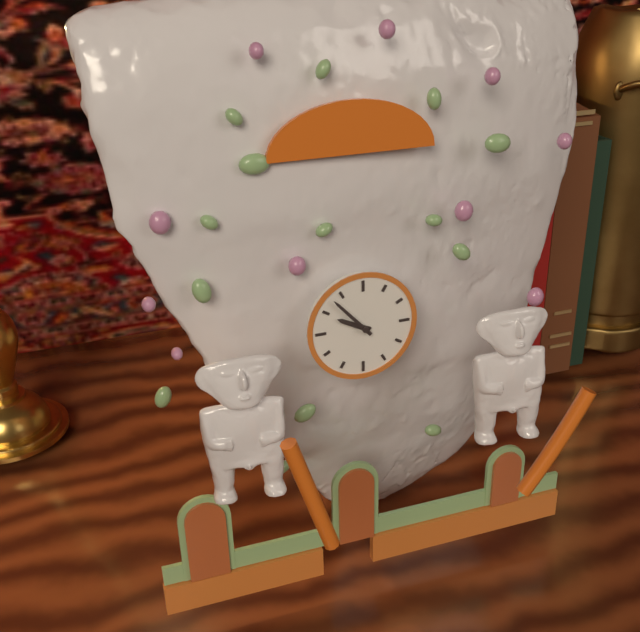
9.53
